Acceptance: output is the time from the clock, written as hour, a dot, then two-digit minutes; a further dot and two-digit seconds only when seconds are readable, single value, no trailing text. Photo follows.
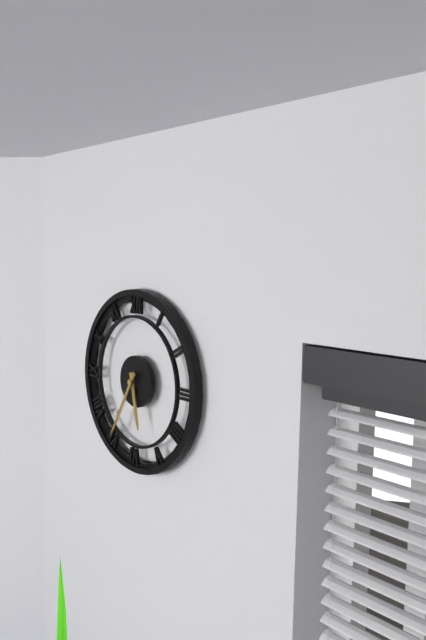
5.35
